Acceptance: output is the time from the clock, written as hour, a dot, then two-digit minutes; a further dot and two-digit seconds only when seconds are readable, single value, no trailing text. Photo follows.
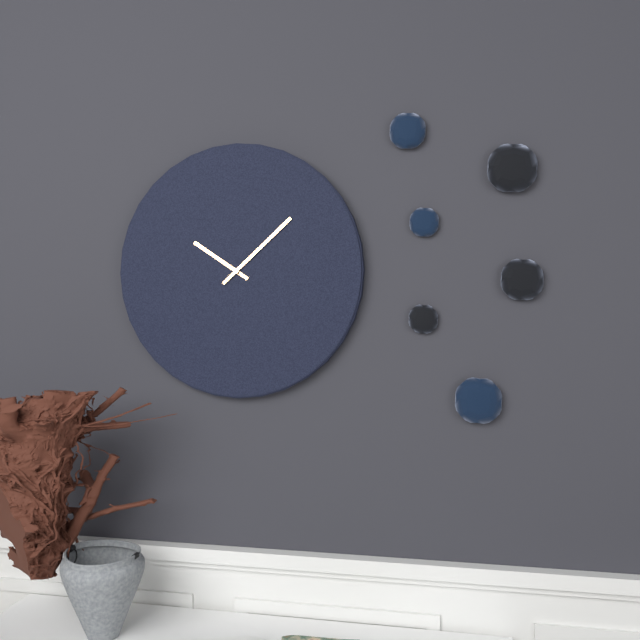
10.08
